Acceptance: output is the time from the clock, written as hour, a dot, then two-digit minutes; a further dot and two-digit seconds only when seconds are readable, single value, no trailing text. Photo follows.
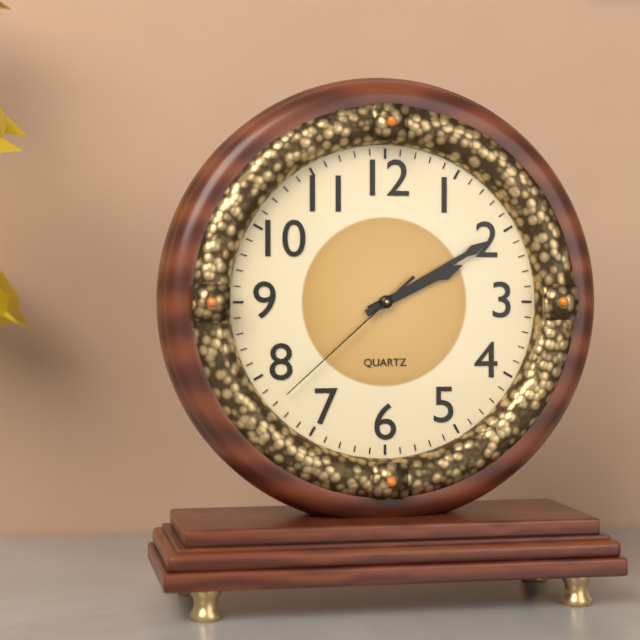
2.10.38
